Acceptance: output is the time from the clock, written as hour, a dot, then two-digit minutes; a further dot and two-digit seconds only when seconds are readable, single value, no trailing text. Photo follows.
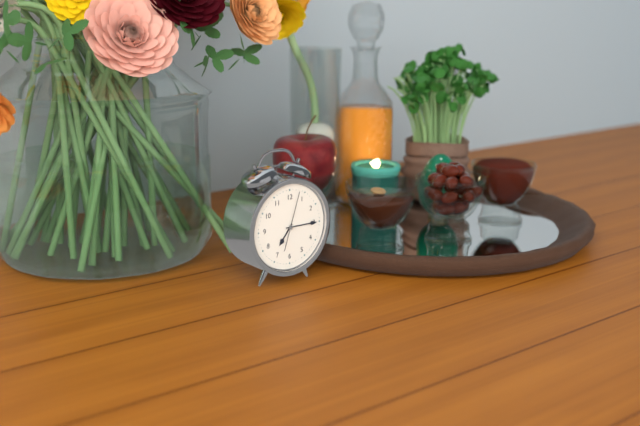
7.15
